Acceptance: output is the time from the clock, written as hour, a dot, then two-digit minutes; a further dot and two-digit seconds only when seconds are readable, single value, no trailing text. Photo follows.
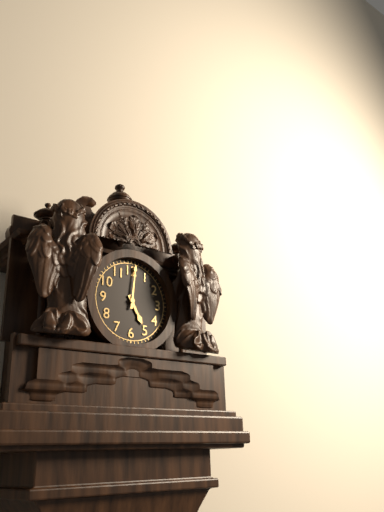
5.01
